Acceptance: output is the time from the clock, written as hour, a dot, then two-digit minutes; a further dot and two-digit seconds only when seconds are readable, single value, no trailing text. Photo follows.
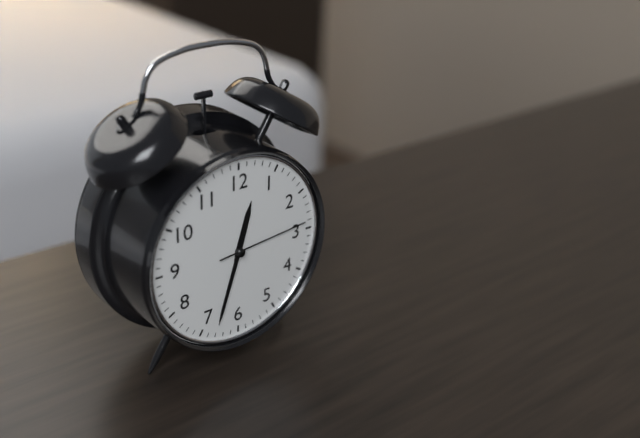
12.33.14
